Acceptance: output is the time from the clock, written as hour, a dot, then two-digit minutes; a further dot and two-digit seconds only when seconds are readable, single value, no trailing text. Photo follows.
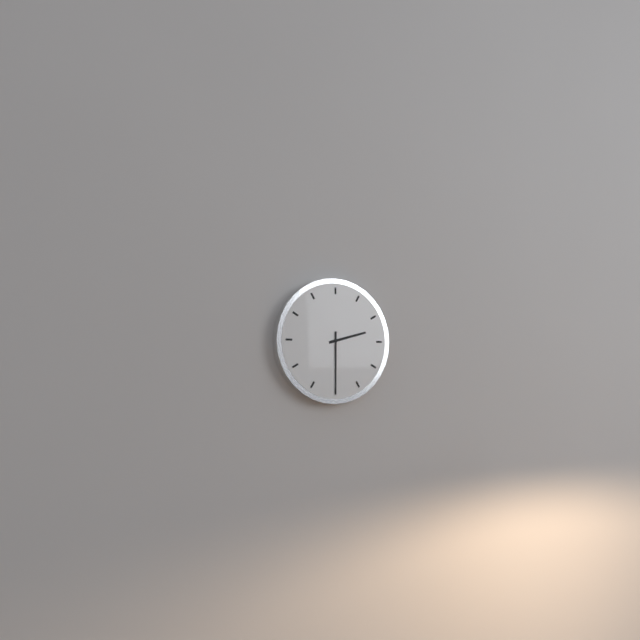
2.30
